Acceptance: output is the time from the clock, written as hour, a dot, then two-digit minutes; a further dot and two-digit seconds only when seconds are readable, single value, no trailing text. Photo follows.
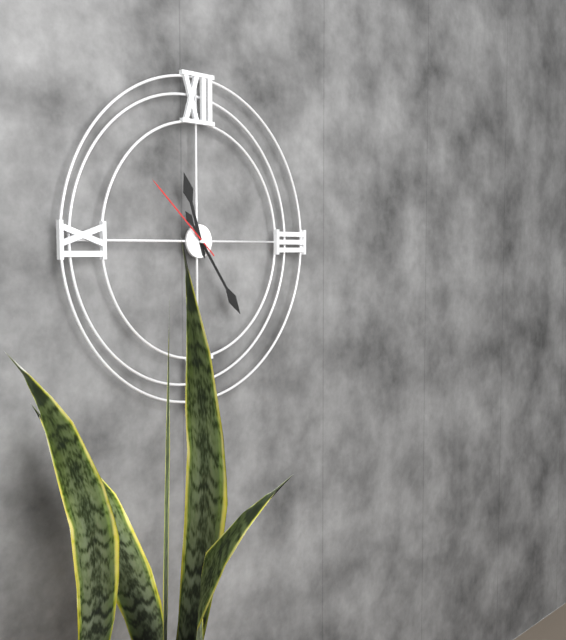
11.24.52
